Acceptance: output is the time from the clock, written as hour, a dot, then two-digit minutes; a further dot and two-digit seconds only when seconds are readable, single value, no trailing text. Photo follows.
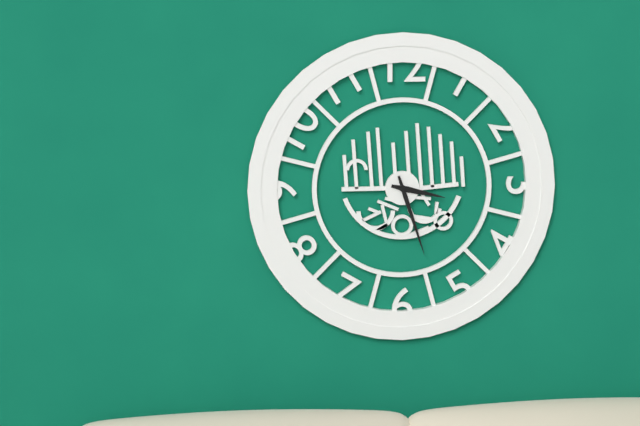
3.27
